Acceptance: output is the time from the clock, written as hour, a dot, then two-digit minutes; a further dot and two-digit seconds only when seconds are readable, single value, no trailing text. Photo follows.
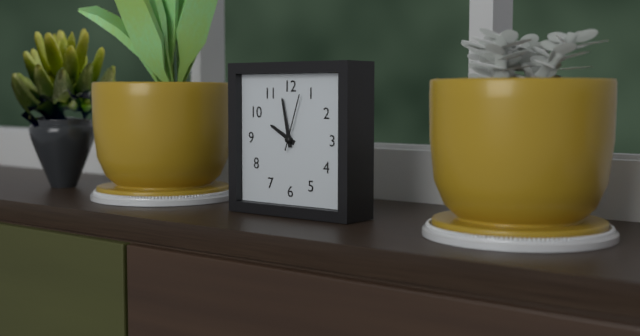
9.58.03
